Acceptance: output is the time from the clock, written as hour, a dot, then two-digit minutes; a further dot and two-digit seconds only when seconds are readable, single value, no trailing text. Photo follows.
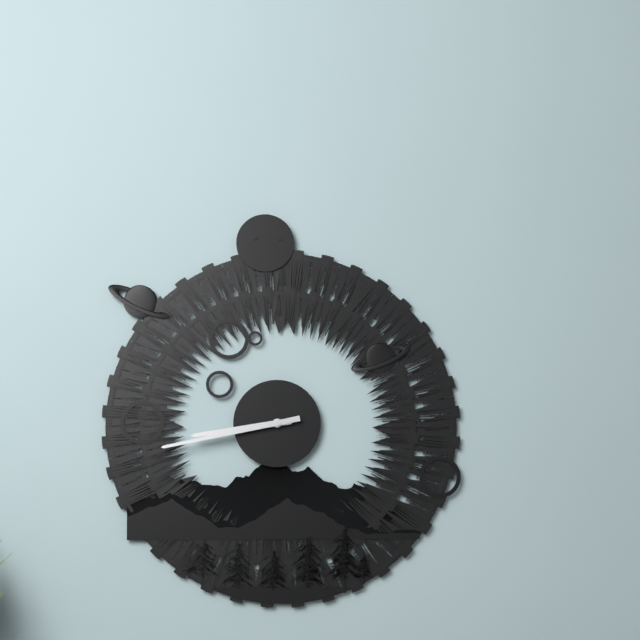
8.43
